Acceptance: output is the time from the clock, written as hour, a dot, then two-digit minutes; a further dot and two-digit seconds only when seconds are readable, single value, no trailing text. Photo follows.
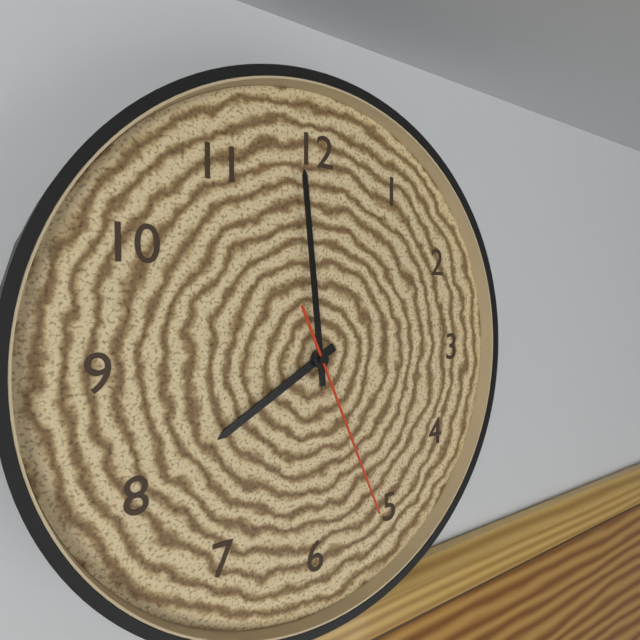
7.59.26
